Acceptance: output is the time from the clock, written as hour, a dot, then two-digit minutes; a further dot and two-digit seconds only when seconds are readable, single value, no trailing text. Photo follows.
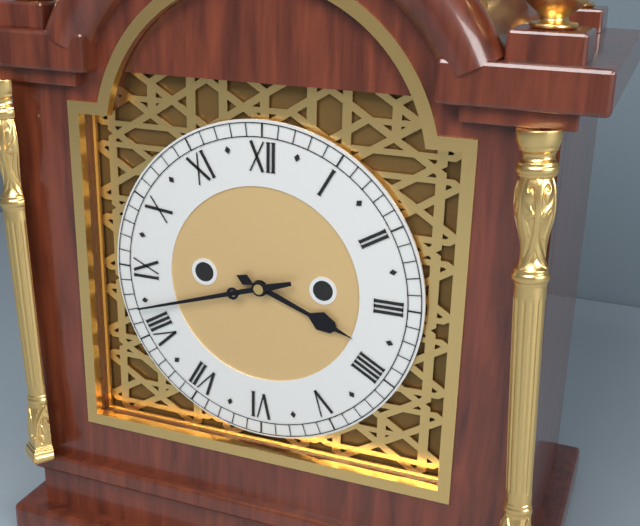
3.42
